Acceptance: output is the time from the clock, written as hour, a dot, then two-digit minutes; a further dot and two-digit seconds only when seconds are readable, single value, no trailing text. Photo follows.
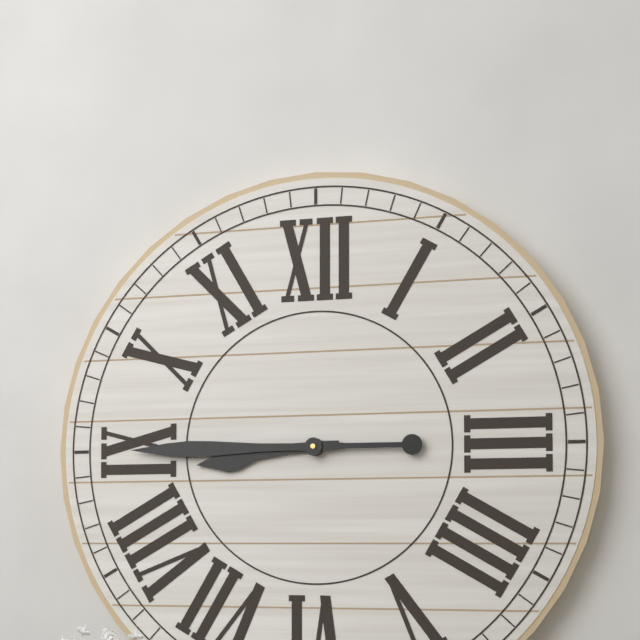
8.45
